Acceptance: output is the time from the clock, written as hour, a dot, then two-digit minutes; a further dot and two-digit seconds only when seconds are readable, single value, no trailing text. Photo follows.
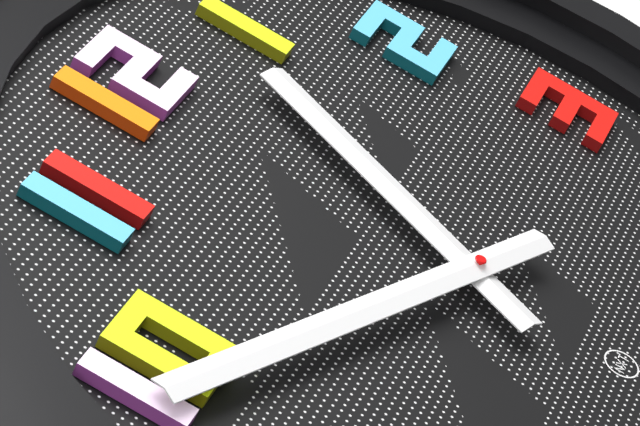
12.49
